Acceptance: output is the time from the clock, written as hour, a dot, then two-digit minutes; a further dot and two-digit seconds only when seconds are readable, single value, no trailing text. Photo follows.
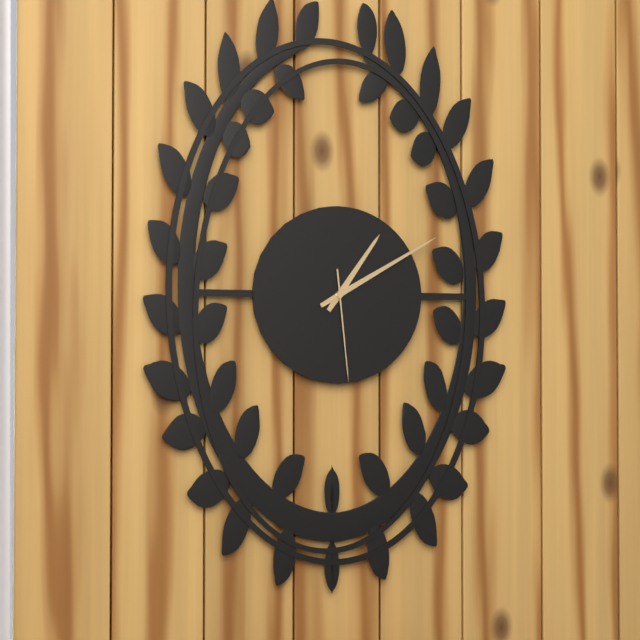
1.10.29
